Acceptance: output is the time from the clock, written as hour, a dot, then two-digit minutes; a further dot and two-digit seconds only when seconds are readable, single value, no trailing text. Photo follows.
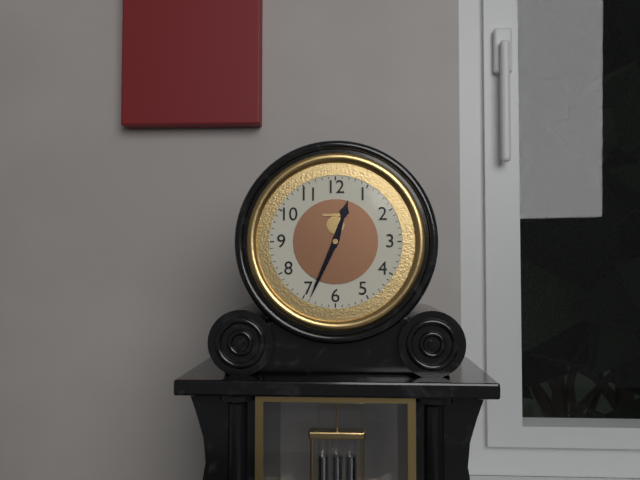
12.34
